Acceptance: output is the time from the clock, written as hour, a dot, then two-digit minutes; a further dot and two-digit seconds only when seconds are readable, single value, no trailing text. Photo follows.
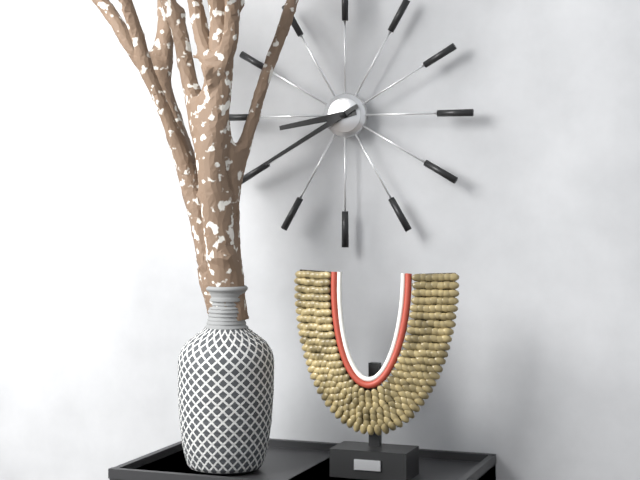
8.40
